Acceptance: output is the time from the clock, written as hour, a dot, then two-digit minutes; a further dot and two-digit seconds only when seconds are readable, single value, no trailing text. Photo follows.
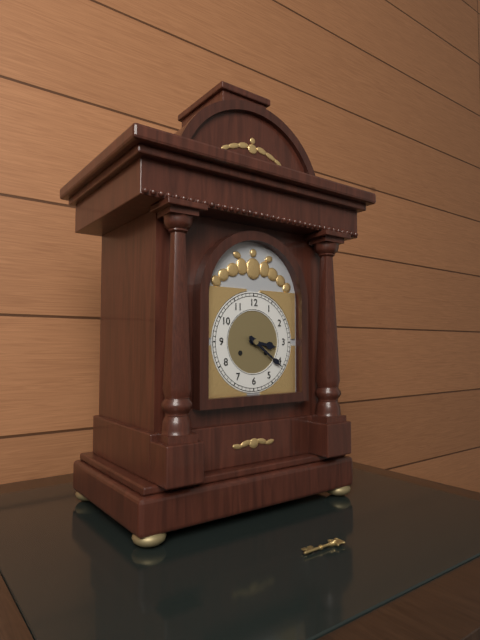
3.21
